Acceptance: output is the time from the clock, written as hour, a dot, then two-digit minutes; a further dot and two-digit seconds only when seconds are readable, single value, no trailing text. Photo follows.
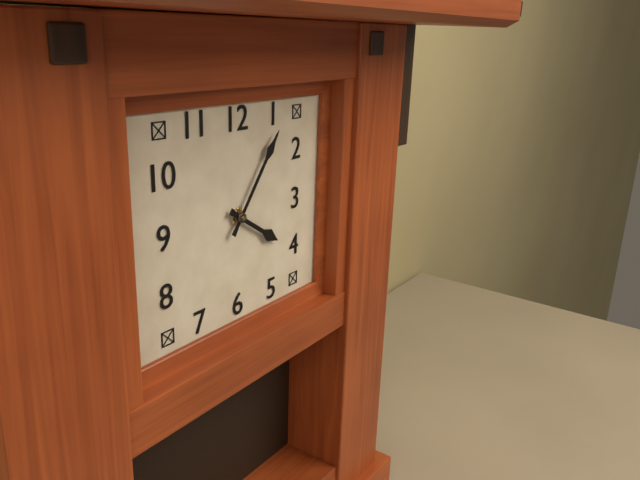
4.06
